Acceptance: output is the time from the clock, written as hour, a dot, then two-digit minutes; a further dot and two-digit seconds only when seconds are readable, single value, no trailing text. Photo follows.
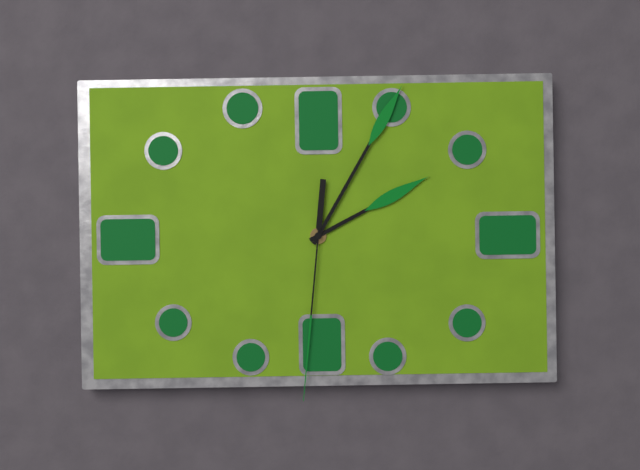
2.05.31
